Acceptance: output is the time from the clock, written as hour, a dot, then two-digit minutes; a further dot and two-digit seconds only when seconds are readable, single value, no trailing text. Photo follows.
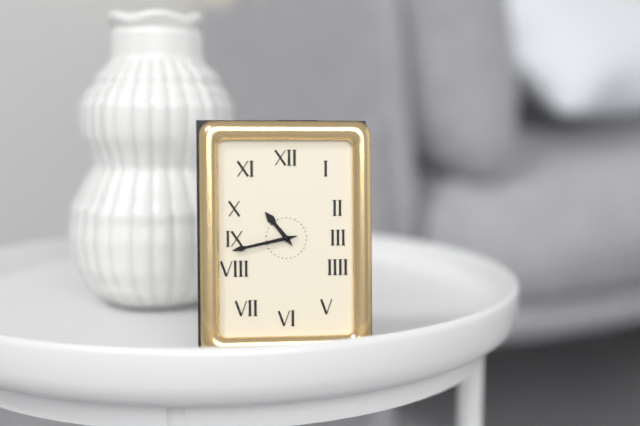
10.43
